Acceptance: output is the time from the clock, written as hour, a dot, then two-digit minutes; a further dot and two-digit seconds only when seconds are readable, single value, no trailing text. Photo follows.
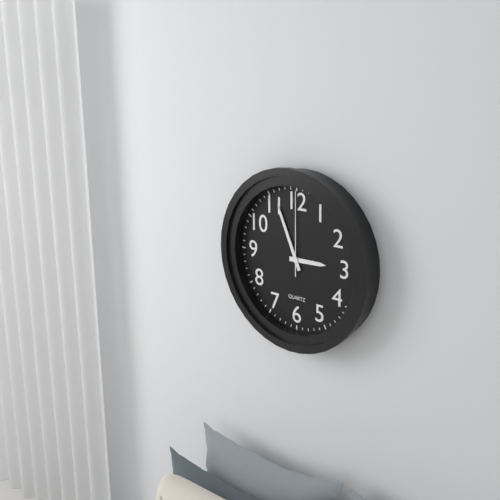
2.56.00
